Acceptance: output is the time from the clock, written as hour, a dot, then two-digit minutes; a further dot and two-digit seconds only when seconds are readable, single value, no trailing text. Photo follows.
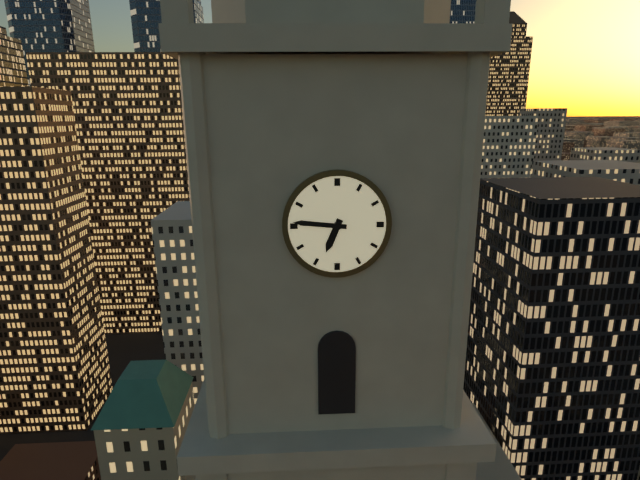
6.46
